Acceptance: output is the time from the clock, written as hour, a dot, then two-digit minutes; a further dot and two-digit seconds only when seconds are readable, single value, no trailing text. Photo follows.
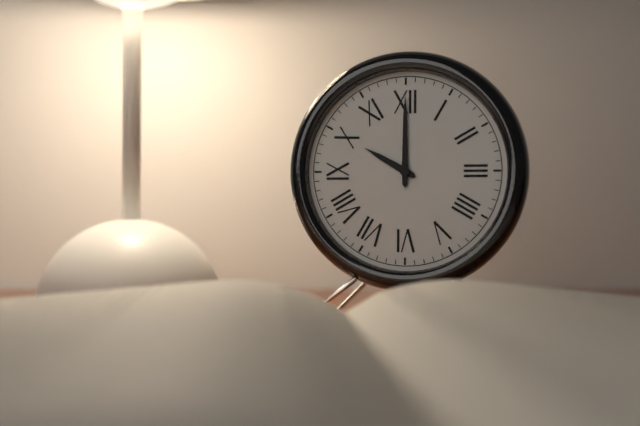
10.00
